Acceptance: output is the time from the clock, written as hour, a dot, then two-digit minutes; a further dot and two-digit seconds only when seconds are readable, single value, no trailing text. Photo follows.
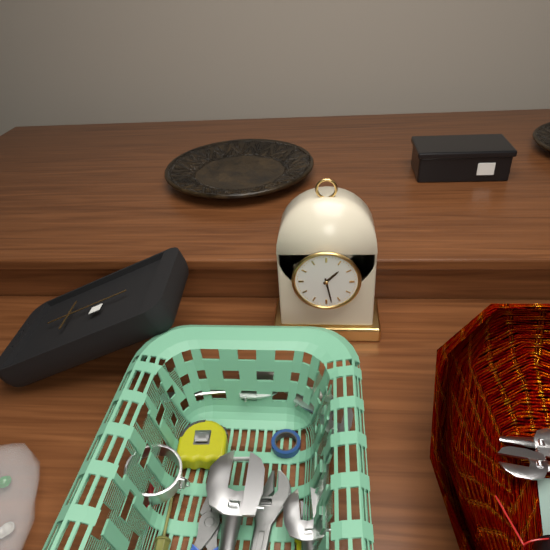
1.28
